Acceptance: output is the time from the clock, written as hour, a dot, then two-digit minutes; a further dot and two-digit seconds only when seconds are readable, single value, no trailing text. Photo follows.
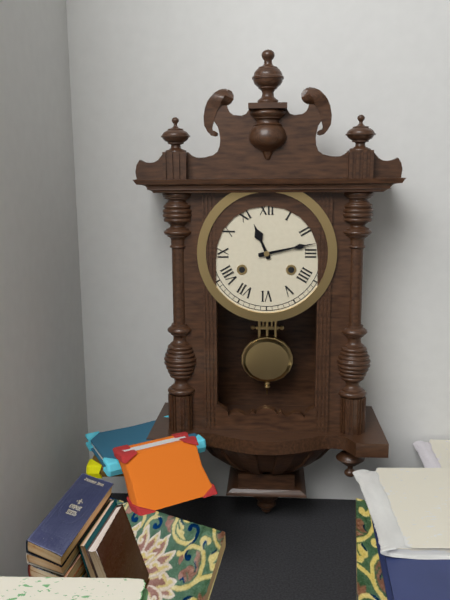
11.13
